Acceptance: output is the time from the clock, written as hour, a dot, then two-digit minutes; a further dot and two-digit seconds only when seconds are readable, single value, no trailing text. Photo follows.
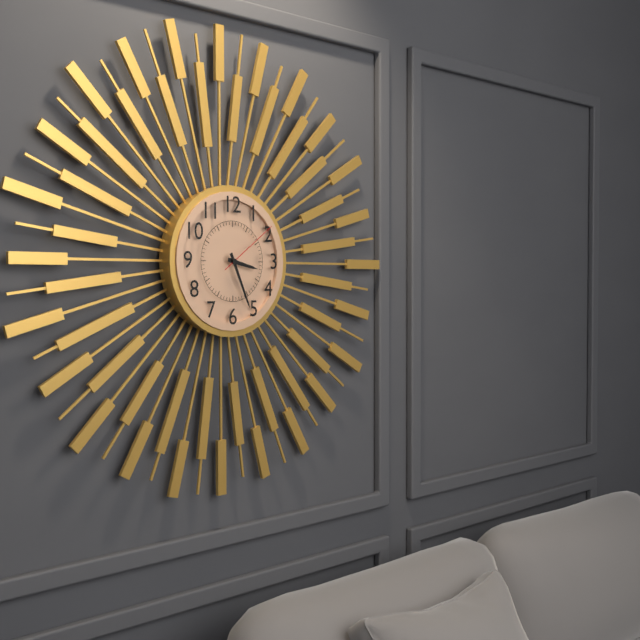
3.26.09
